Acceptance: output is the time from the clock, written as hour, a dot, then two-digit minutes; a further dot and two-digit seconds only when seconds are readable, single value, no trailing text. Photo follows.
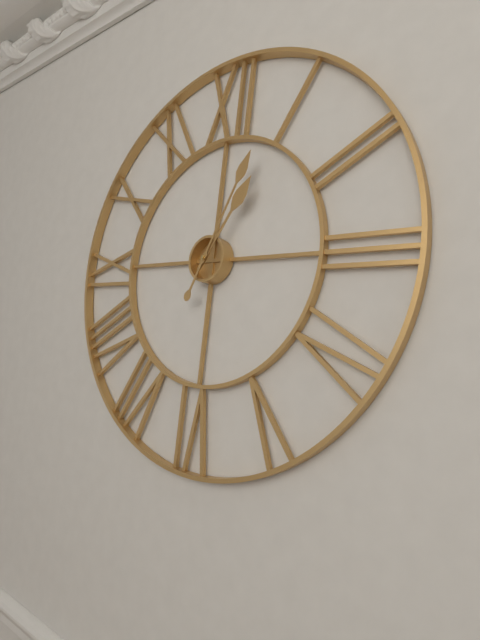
1.04
